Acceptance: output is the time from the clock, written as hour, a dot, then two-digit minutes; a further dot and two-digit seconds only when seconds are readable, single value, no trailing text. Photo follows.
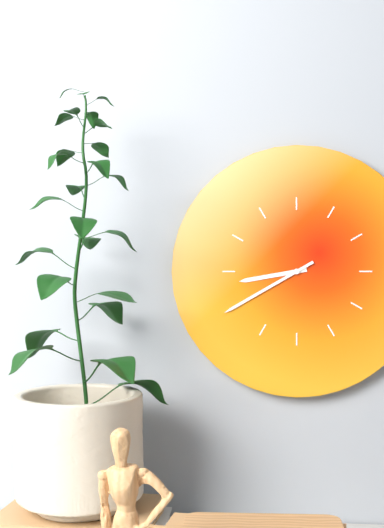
8.40
